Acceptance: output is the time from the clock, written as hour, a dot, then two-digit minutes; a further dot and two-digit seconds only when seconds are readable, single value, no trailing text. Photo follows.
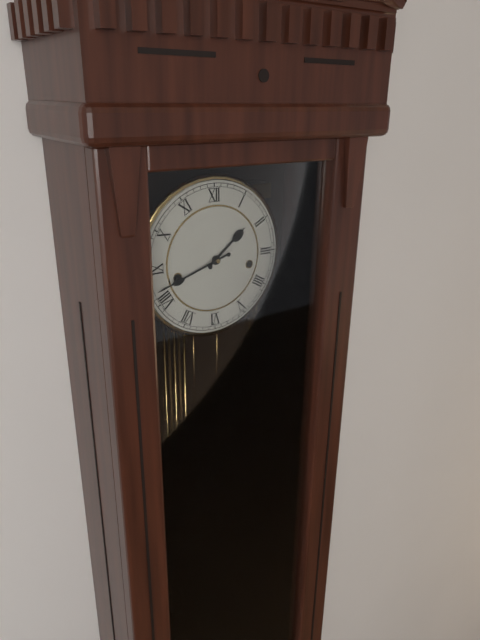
1.42
